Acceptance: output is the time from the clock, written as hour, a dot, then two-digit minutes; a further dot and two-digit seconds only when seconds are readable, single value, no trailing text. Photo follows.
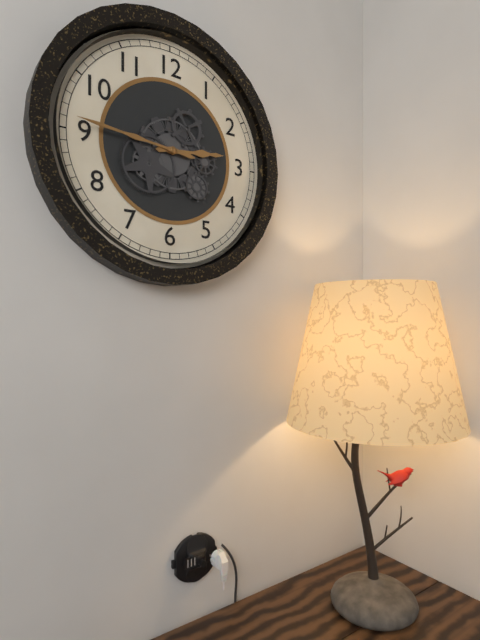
2.46
